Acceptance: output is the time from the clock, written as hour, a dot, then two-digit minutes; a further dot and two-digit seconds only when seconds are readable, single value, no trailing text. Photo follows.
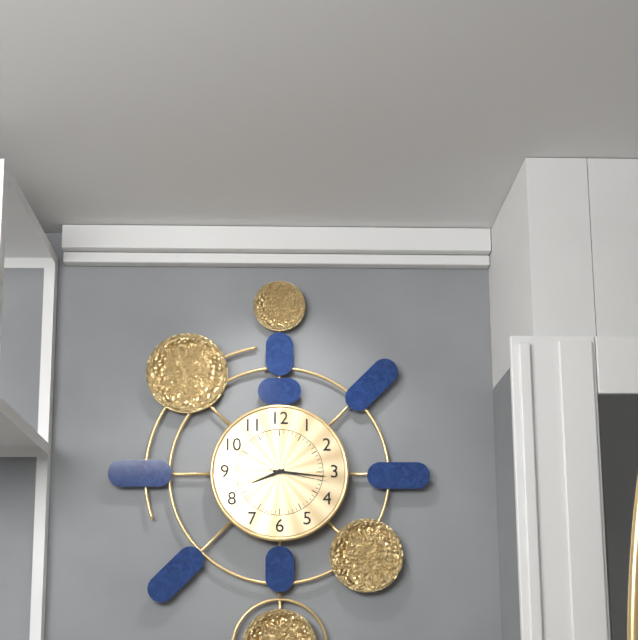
8.16.17
